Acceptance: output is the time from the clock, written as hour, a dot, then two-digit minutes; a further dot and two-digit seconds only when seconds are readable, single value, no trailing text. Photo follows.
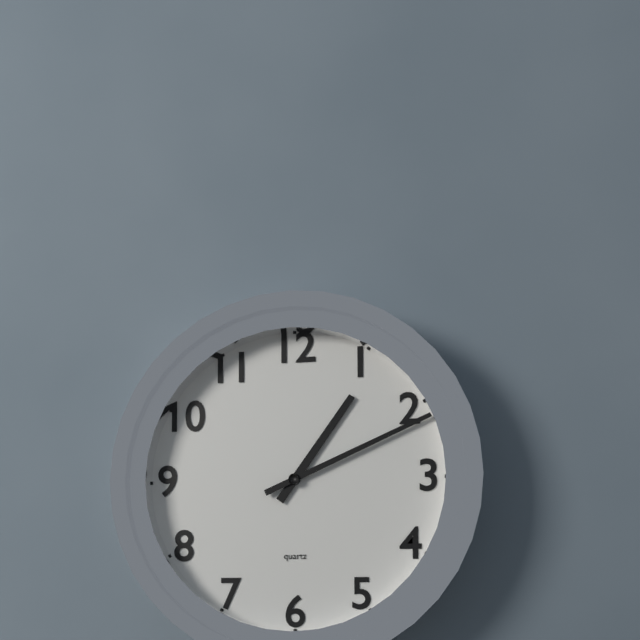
1.11
